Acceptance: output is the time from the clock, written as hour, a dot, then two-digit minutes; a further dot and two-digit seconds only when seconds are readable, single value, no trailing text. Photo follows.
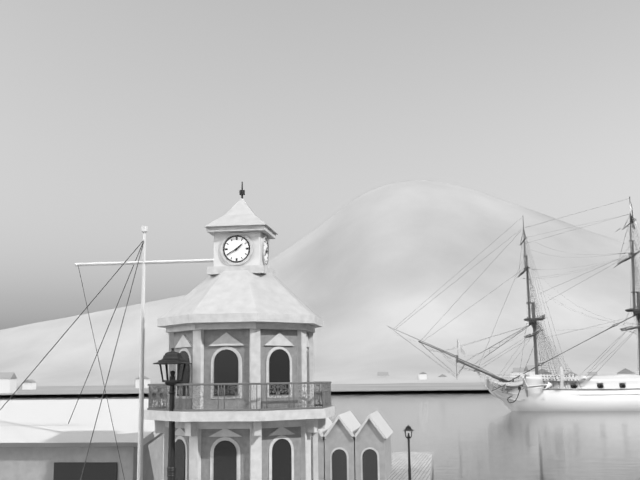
1.40
